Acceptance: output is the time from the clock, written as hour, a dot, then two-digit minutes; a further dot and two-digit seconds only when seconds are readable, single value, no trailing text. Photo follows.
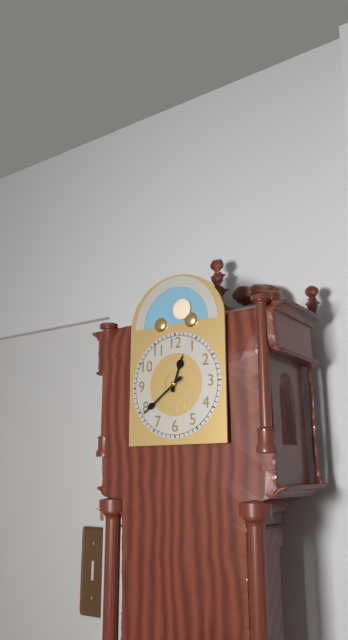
12.39
